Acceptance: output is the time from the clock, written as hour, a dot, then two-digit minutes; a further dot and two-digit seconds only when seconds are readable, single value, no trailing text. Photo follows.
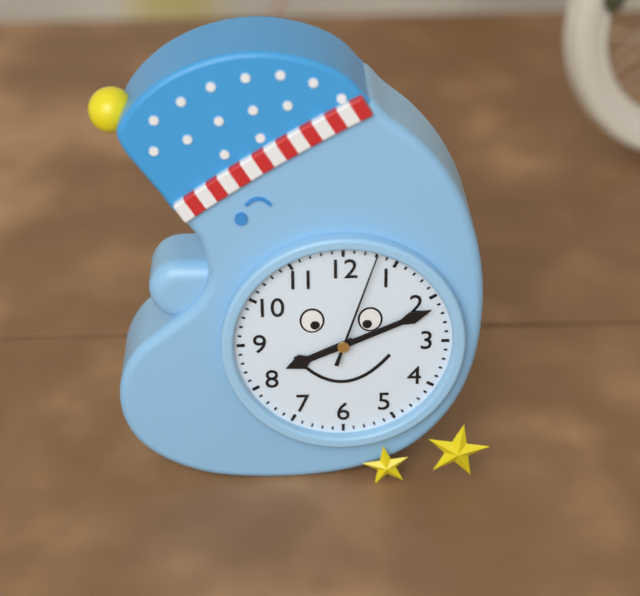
8.11.03
